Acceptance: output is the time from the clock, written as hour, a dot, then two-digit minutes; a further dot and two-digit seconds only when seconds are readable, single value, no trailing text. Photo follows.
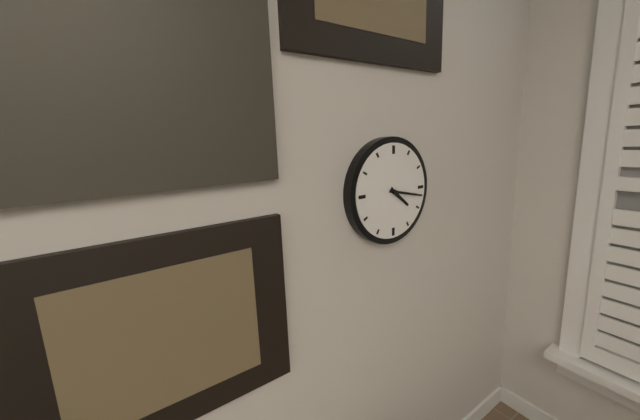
4.17
